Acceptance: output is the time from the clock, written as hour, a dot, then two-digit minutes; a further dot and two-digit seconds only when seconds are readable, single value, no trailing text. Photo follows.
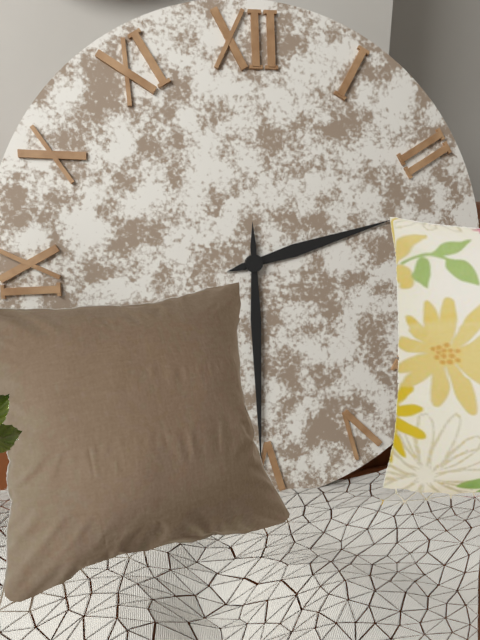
2.30
